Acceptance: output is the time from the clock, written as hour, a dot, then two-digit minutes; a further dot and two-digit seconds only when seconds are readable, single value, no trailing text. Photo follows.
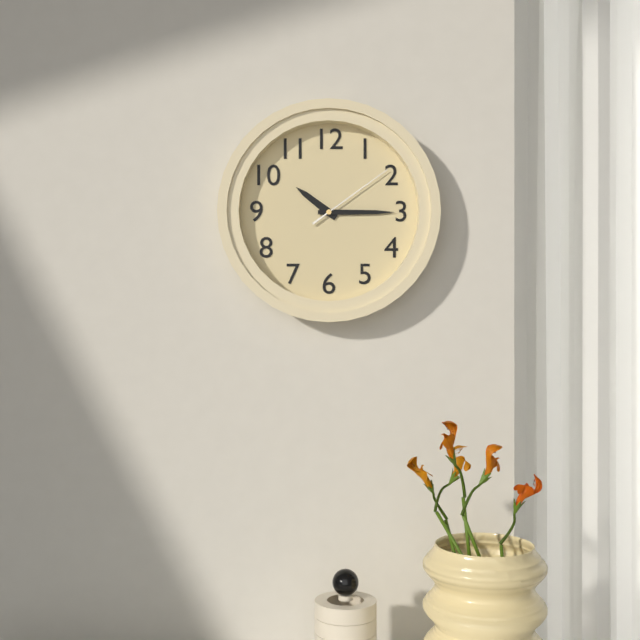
10.15.09
